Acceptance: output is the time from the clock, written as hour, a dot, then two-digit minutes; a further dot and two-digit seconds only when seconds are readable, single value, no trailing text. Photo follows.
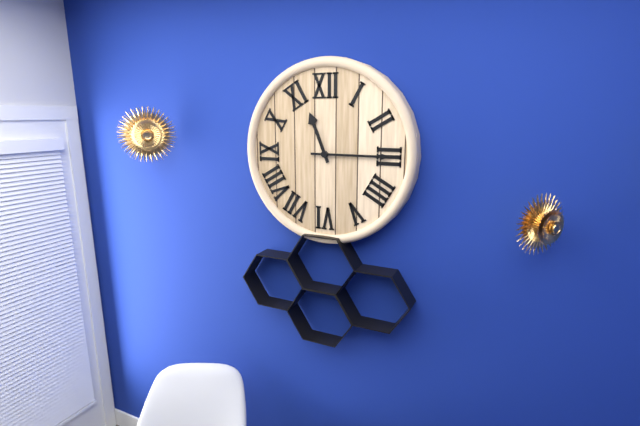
11.15
